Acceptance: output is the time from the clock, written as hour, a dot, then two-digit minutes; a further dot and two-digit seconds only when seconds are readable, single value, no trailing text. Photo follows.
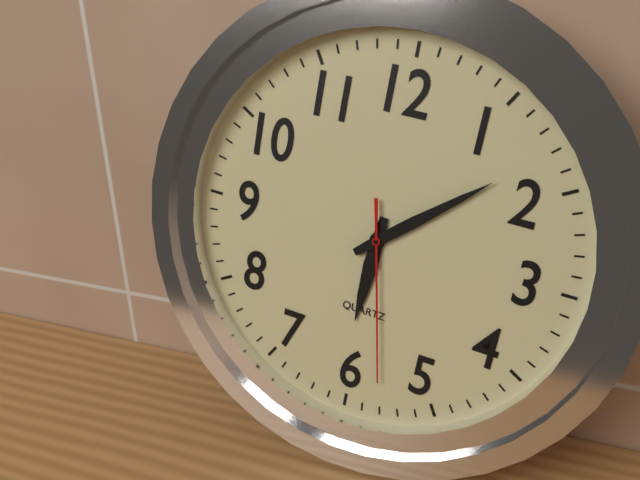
6.08.28
